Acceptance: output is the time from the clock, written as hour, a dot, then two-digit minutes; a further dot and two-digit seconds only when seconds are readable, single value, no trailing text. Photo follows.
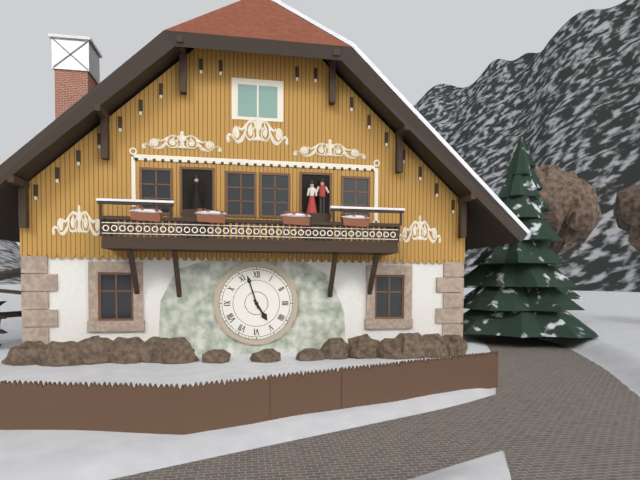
4.57
